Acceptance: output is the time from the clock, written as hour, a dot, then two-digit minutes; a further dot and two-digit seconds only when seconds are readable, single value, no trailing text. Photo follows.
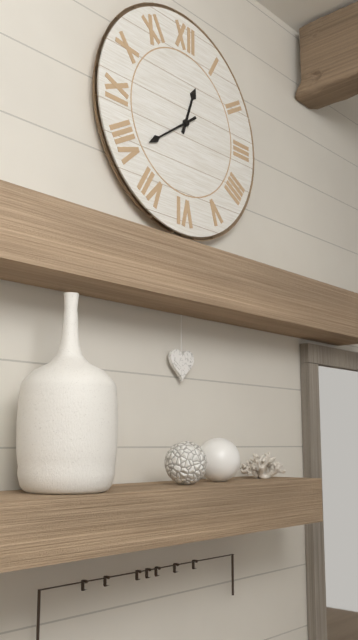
12.39
